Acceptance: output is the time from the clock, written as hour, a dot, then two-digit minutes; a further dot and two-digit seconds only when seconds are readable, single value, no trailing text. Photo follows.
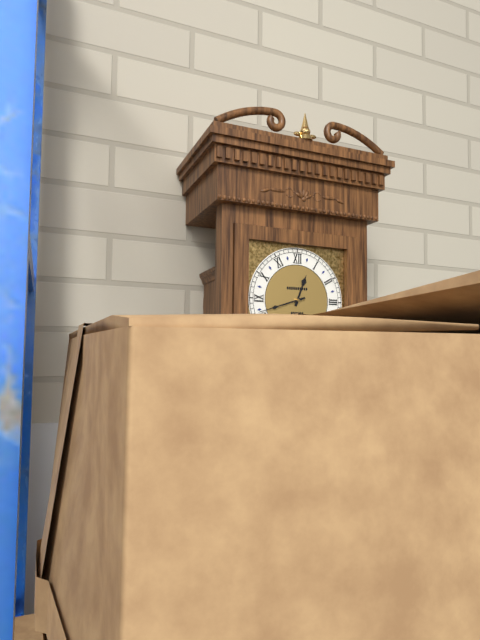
12.42
